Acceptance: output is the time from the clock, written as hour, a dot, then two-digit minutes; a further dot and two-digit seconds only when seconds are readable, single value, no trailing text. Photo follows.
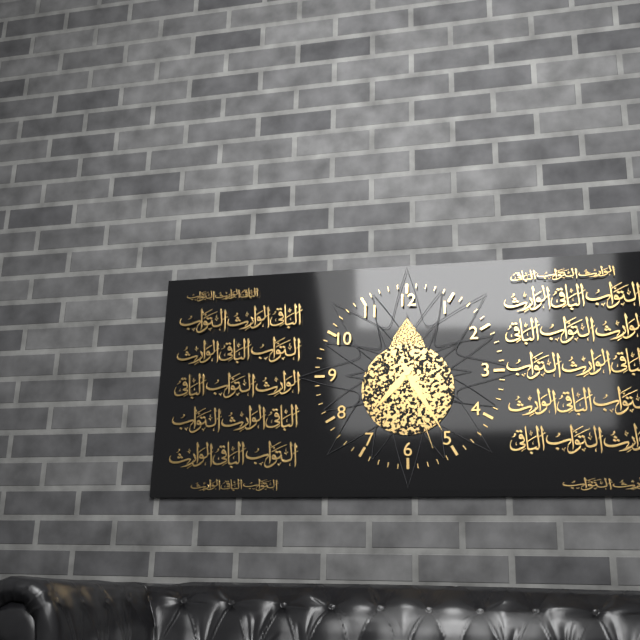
7.25.27
